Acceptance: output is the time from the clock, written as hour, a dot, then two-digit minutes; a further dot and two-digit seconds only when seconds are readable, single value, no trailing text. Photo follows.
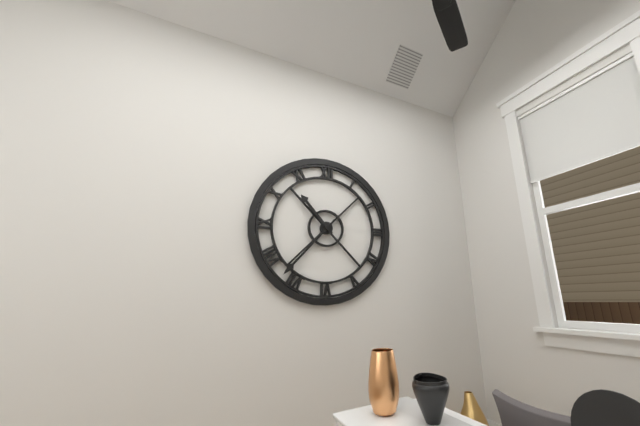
10.37
